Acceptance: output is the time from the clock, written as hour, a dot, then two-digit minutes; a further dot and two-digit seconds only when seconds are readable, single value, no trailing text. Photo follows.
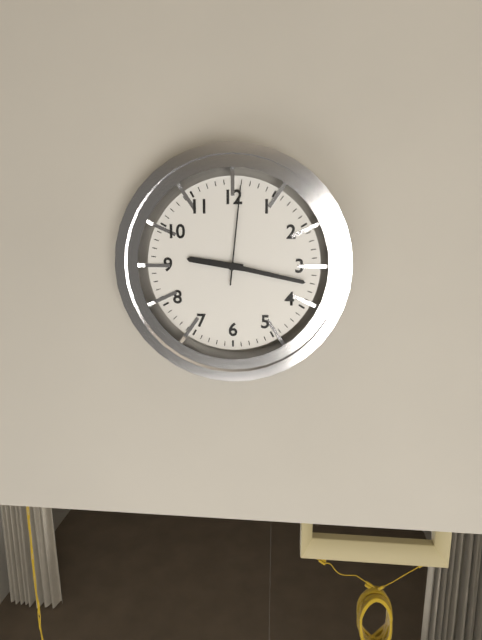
9.17.01
